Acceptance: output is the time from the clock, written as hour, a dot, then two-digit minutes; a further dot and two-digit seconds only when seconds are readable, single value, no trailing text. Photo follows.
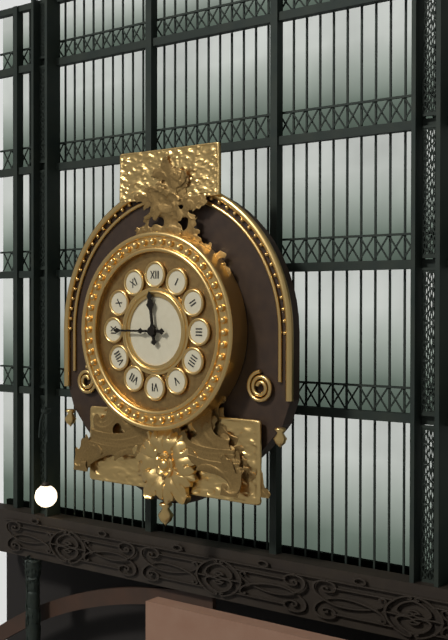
11.45
